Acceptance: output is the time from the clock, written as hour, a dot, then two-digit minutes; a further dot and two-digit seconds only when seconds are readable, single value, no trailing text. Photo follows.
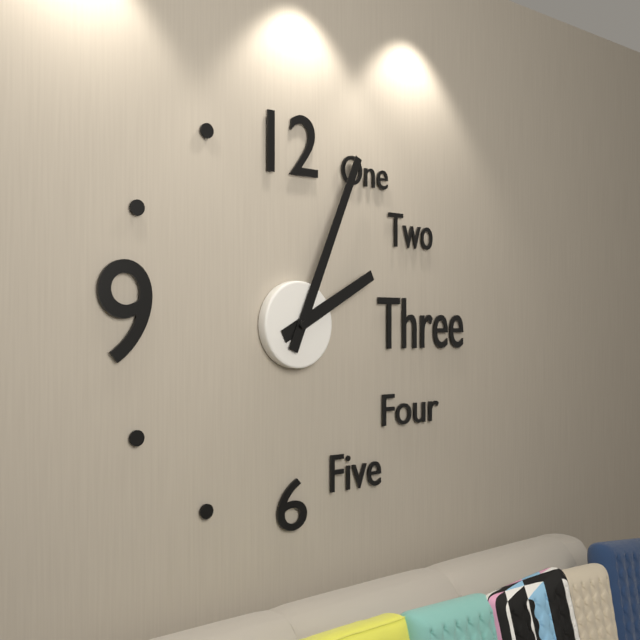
2.04
